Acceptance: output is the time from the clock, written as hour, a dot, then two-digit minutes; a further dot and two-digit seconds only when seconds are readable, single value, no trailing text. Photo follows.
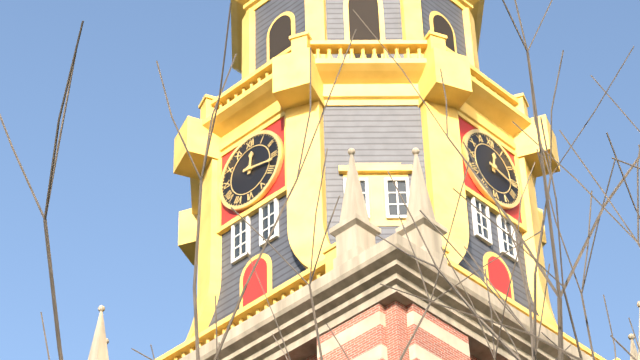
12.17
